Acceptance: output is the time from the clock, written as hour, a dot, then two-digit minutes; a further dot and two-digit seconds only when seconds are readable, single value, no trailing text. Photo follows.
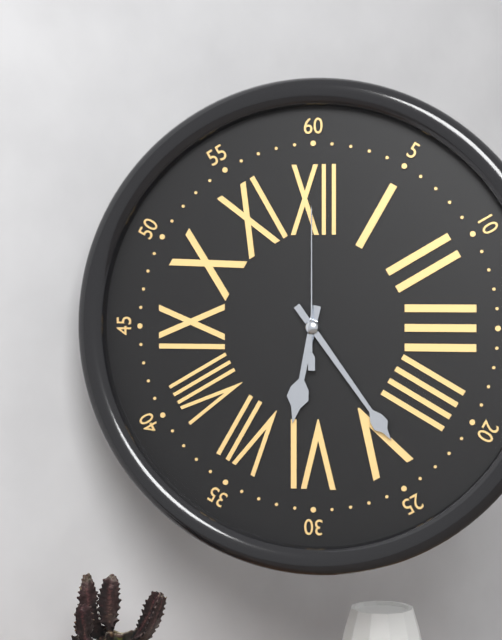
6.24.00
